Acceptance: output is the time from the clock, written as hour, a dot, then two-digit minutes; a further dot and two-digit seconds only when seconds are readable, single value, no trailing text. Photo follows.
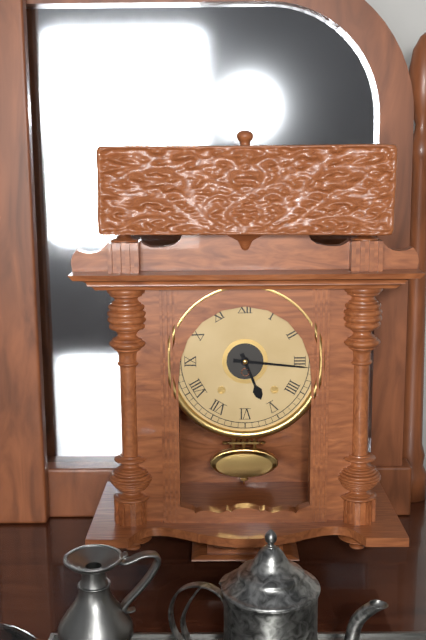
5.16
